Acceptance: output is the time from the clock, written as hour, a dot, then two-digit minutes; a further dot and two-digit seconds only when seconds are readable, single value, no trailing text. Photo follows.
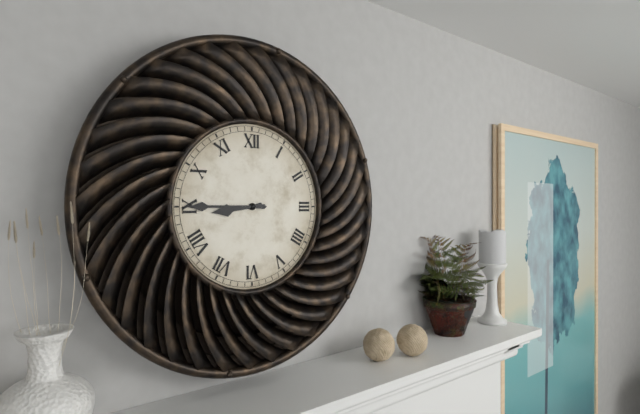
8.45
